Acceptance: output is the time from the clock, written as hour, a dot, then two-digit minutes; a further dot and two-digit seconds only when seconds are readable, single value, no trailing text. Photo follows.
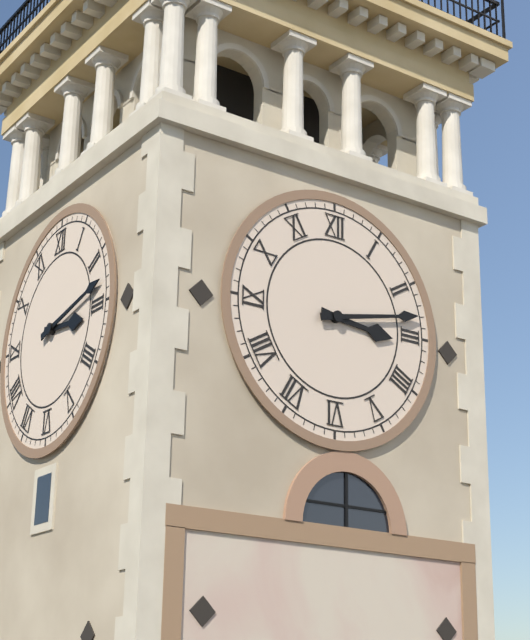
3.13
